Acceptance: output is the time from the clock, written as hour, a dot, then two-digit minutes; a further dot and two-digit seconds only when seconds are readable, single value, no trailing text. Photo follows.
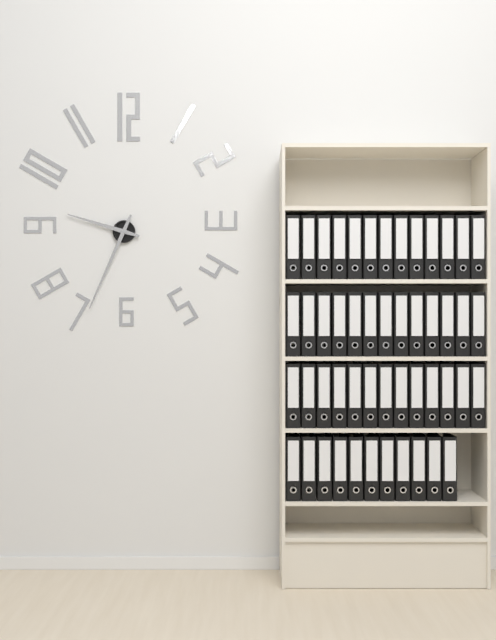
9.34
